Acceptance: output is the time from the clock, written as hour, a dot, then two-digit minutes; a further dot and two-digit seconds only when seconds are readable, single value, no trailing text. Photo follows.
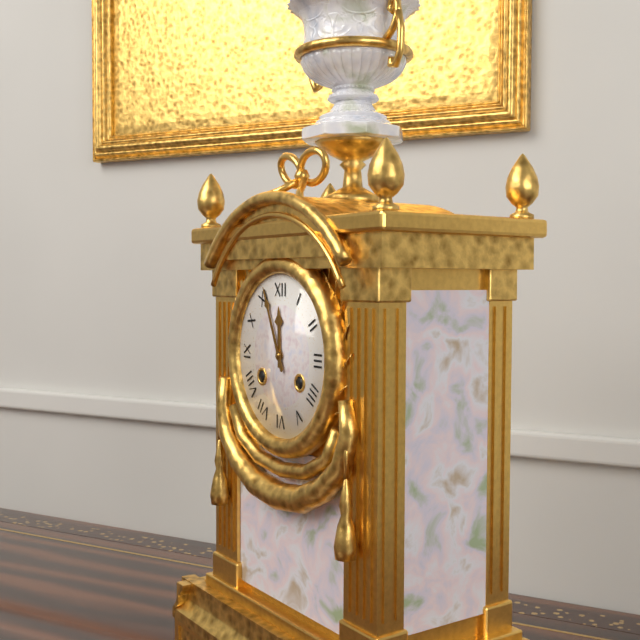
11.56
